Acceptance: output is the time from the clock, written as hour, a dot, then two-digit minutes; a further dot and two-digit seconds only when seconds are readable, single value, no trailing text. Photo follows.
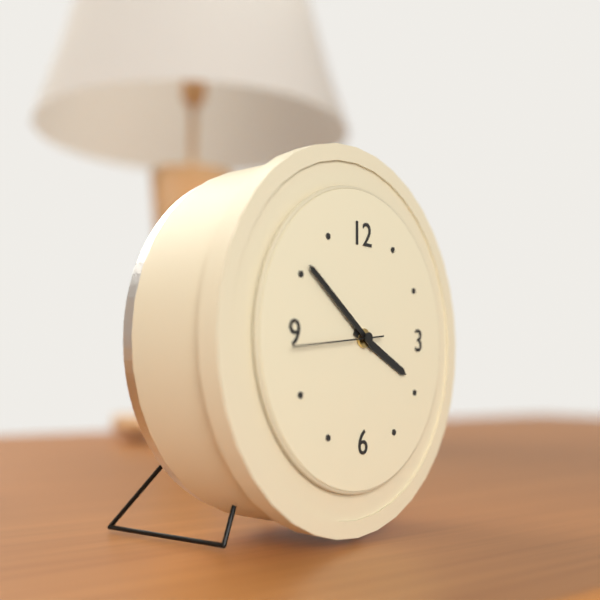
3.51.44
